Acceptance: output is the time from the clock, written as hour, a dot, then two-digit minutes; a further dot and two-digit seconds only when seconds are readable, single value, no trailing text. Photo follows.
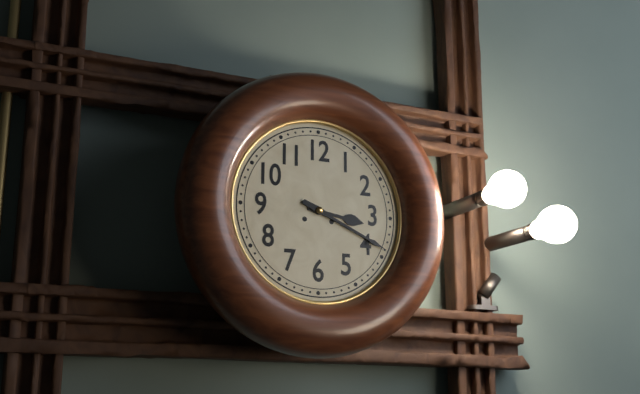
3.19
